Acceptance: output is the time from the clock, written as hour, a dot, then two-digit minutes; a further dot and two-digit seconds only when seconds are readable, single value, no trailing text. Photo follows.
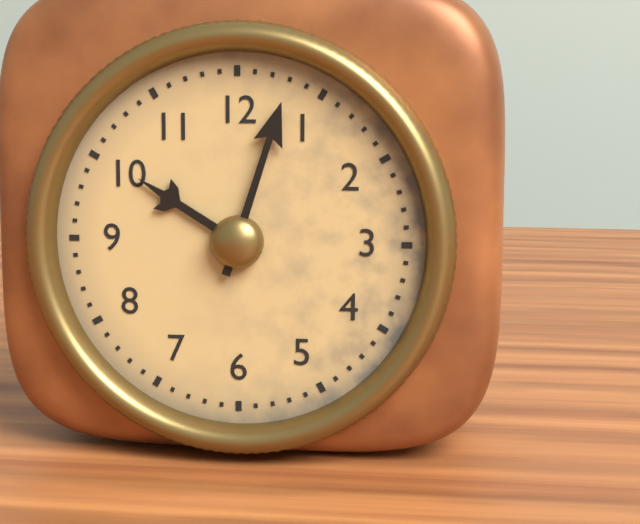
10.03
